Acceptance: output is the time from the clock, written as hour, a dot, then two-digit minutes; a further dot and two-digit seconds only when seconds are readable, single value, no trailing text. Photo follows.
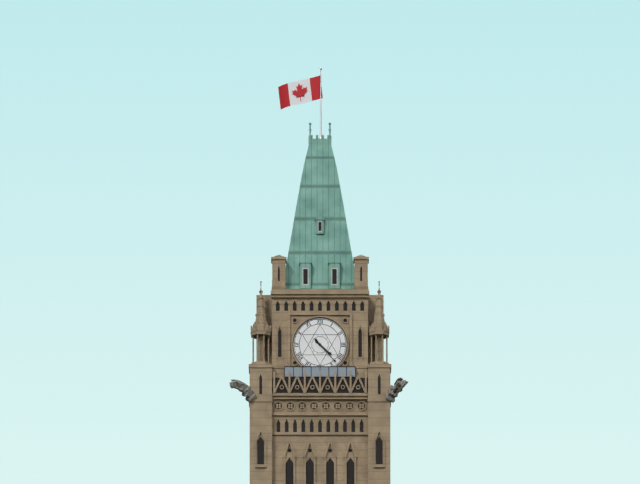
4.23
